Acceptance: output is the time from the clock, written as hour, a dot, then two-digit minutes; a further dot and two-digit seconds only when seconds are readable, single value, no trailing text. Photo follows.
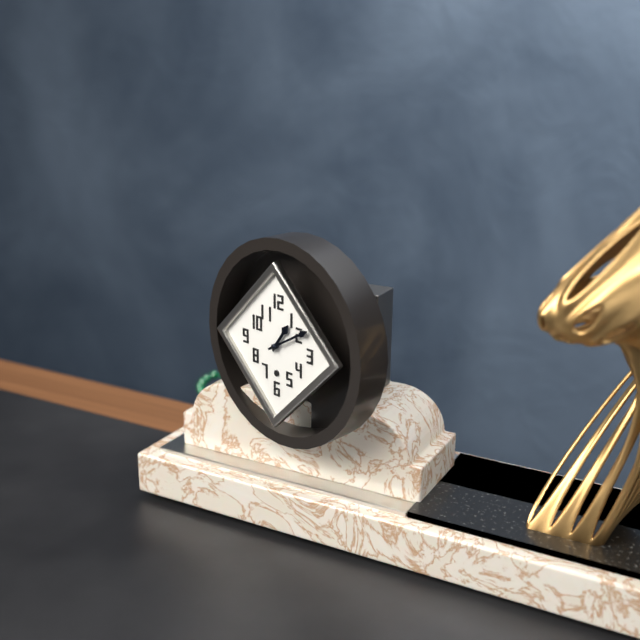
1.10
